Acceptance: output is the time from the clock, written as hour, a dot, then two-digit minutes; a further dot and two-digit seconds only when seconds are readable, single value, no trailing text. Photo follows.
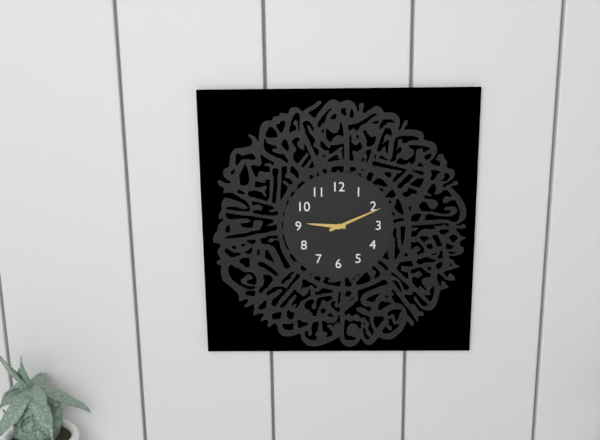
9.11
